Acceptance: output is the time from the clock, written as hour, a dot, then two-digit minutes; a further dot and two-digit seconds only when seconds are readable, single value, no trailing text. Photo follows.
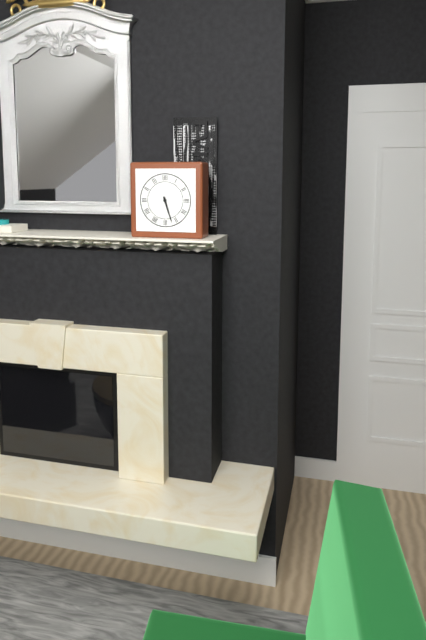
5.27
